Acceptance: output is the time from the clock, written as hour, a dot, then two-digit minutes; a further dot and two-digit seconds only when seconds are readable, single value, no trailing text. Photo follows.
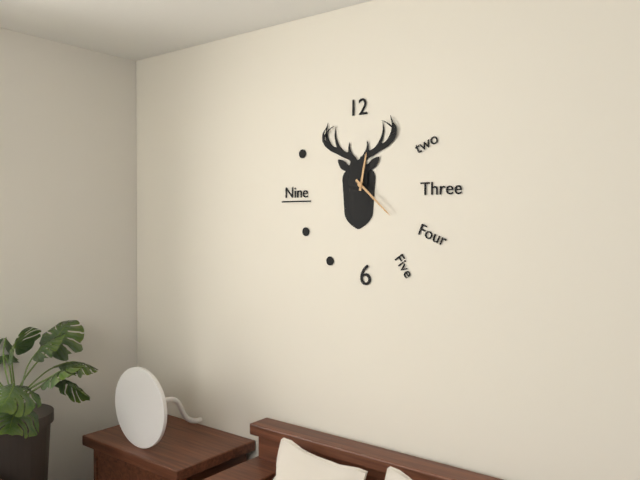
12.22
